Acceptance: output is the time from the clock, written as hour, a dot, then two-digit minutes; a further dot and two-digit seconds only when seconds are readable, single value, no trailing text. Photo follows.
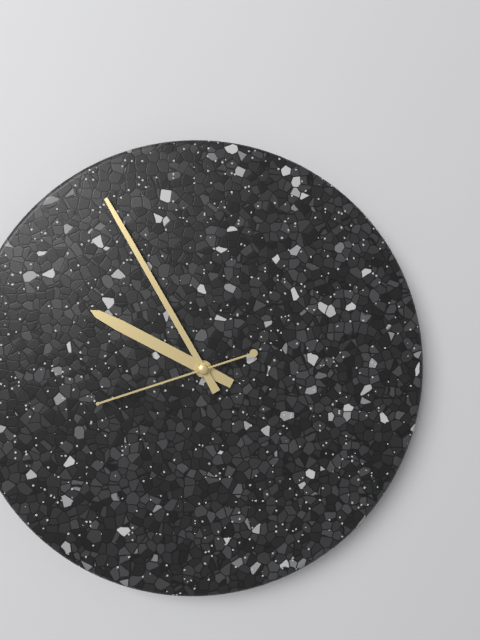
9.55.42
